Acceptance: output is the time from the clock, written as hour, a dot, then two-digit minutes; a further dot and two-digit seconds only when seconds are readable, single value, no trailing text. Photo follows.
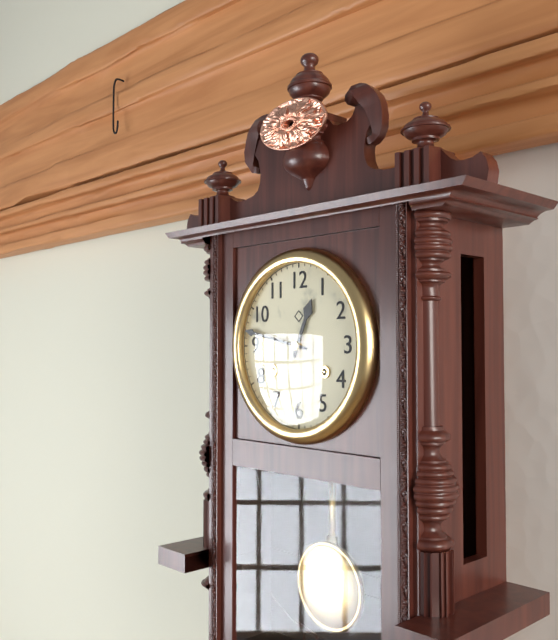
12.47
